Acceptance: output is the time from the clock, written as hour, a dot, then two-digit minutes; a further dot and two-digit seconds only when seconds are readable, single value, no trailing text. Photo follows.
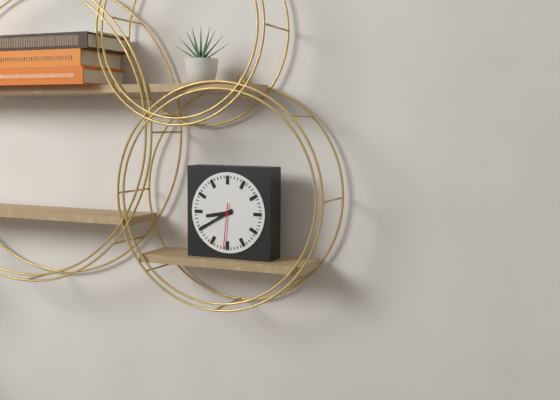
8.40
